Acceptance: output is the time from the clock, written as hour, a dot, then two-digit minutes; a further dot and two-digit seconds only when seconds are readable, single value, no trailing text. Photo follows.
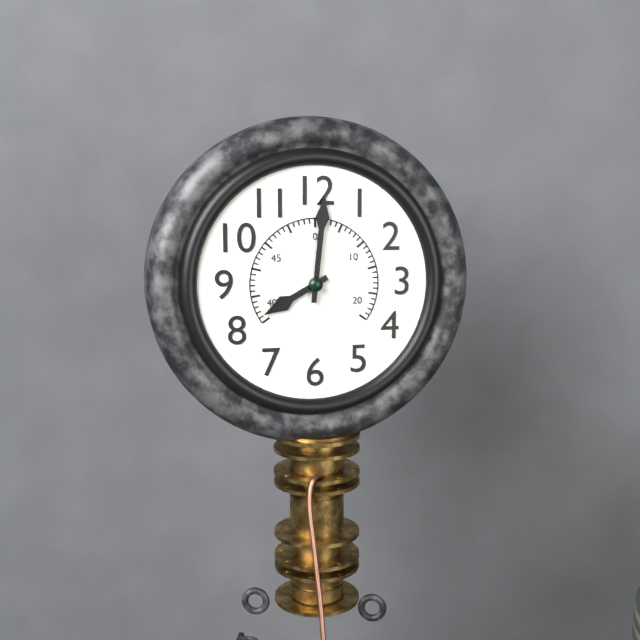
8.01
